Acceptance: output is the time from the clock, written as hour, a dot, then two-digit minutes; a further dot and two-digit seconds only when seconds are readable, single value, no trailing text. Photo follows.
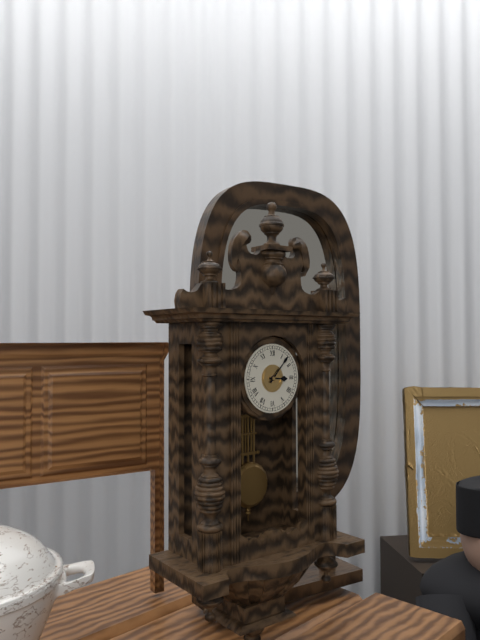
3.07
